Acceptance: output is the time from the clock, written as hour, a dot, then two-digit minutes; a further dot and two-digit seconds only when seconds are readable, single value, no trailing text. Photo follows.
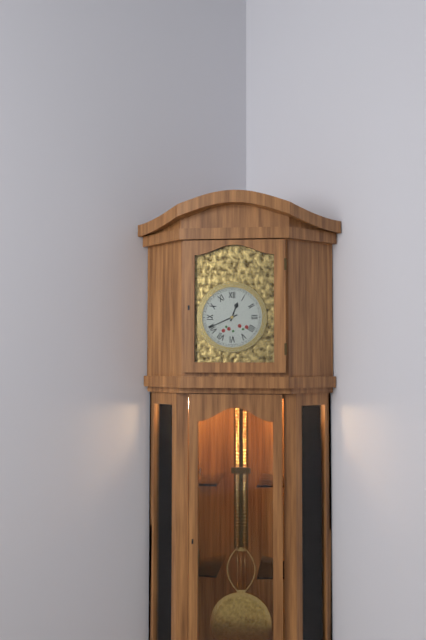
12.41
